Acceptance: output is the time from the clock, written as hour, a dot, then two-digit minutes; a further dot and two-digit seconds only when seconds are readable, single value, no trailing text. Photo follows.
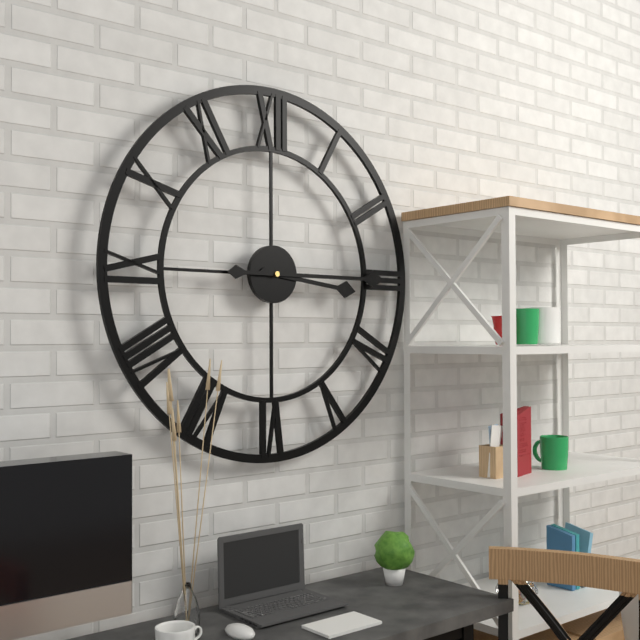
3.15
